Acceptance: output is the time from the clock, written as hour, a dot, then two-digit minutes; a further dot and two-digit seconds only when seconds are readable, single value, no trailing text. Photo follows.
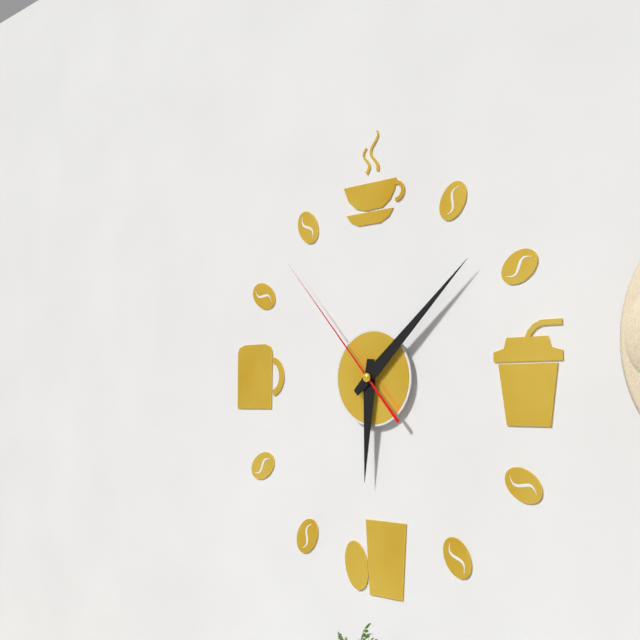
6.08.53
